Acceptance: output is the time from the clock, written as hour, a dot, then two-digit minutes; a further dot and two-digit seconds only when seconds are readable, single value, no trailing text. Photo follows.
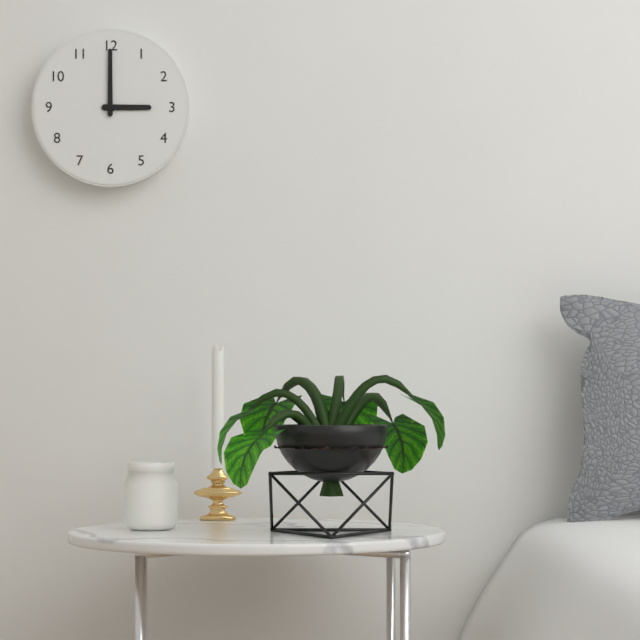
3.00
